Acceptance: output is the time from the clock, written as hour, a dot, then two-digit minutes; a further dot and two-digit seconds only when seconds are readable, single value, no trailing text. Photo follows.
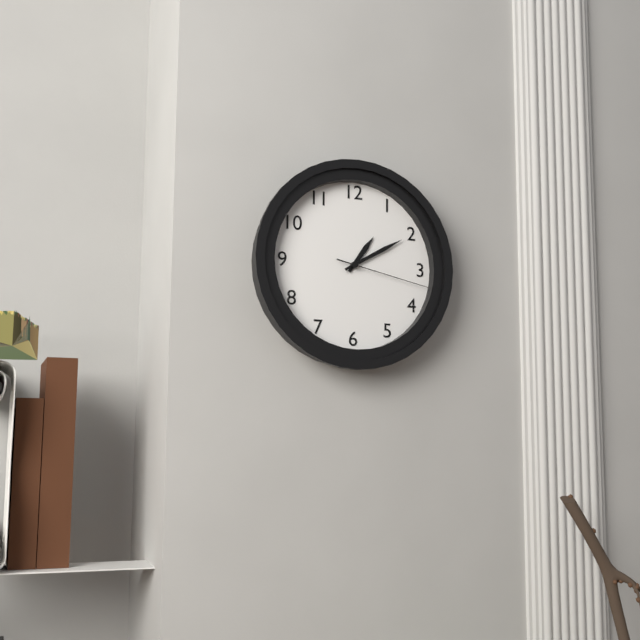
1.10.17
